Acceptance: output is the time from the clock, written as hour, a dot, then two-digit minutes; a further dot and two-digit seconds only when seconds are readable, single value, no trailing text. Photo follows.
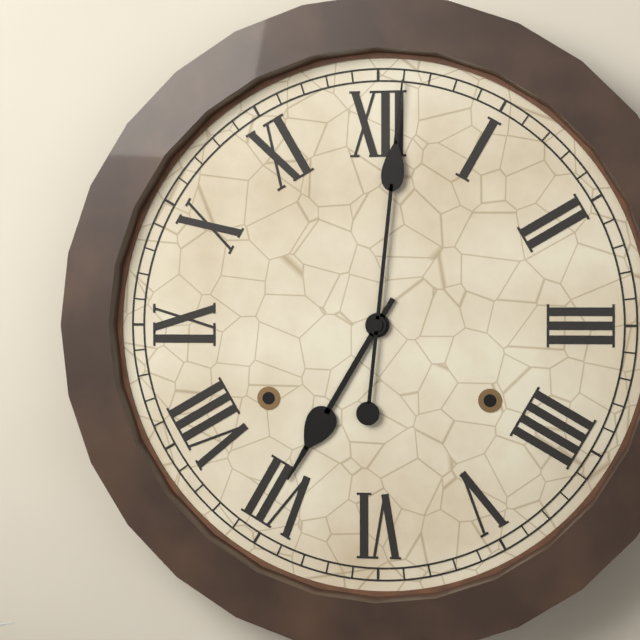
7.01
